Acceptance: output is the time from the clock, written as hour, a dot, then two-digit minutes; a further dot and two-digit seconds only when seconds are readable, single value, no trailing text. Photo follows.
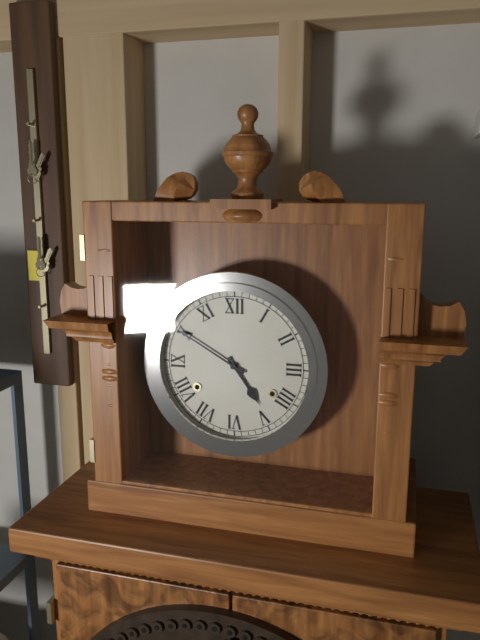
4.50
